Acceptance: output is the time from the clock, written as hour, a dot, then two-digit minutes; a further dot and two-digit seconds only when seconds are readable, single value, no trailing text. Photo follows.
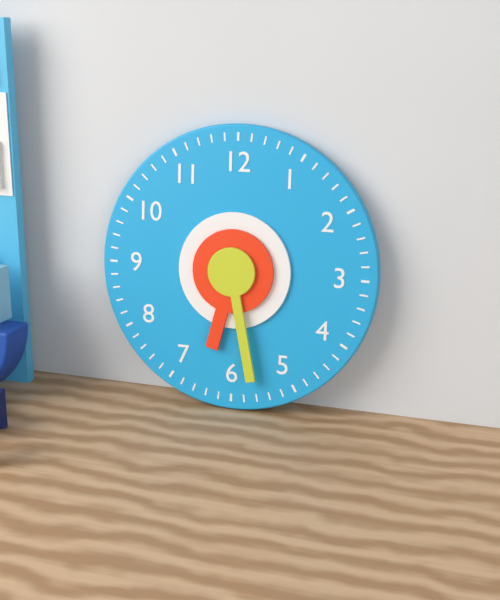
6.28
